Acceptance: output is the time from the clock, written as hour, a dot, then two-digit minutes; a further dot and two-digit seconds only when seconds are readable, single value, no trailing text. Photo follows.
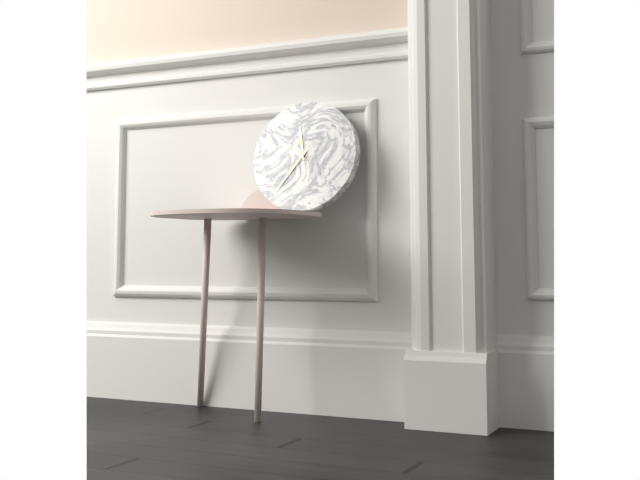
11.36
